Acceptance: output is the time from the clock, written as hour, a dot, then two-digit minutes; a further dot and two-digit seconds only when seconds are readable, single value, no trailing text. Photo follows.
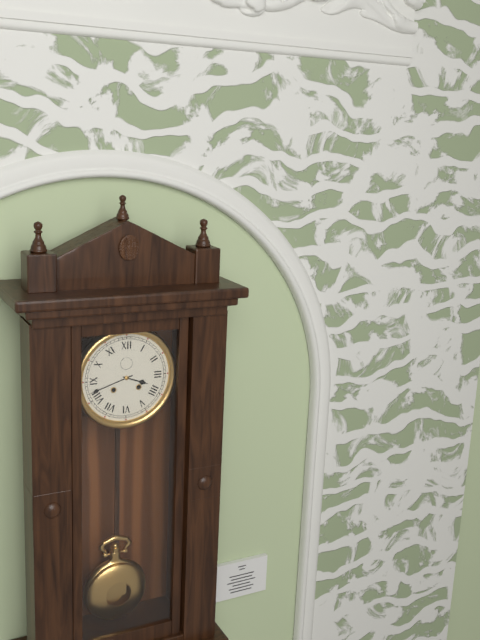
3.42
